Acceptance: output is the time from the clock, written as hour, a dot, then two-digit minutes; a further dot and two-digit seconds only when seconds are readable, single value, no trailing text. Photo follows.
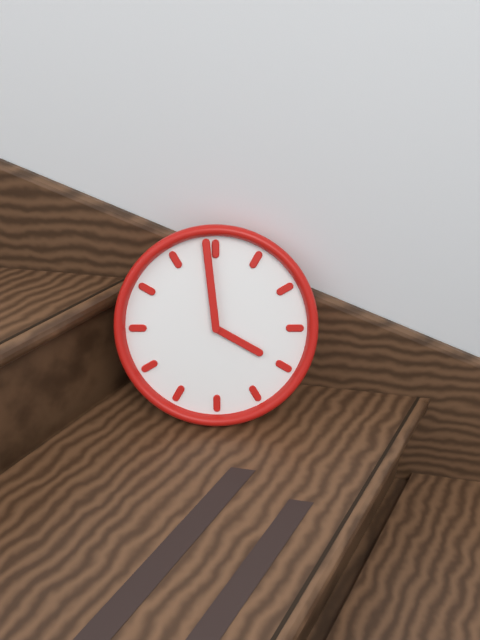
3.59
